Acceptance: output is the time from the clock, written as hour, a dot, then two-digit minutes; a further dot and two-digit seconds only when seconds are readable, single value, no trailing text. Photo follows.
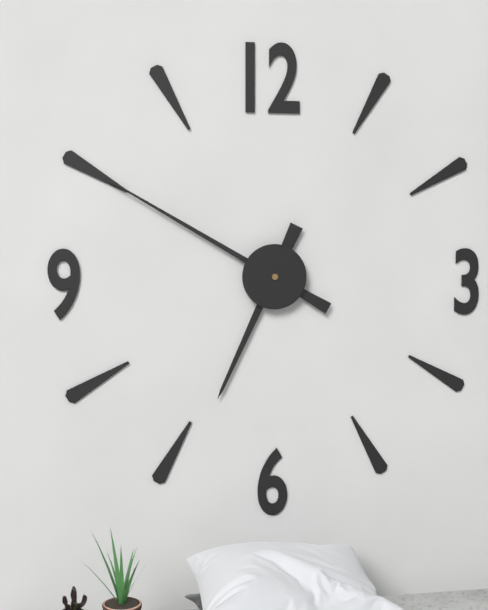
6.50
